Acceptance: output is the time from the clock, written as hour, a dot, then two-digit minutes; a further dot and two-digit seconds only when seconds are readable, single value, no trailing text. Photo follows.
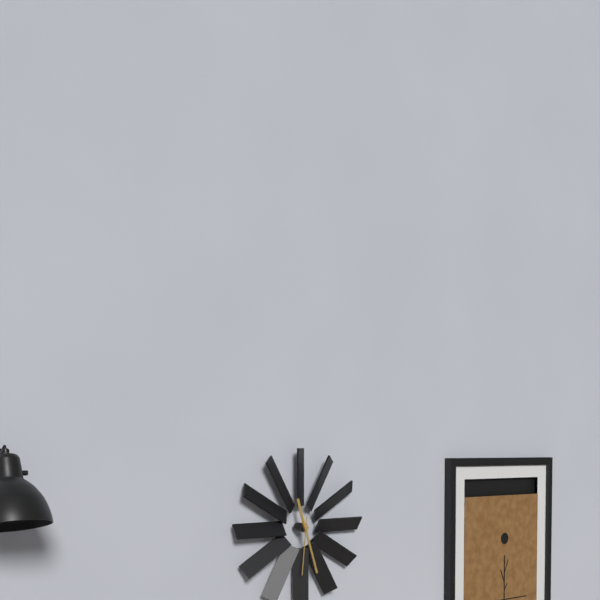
11.27.31
